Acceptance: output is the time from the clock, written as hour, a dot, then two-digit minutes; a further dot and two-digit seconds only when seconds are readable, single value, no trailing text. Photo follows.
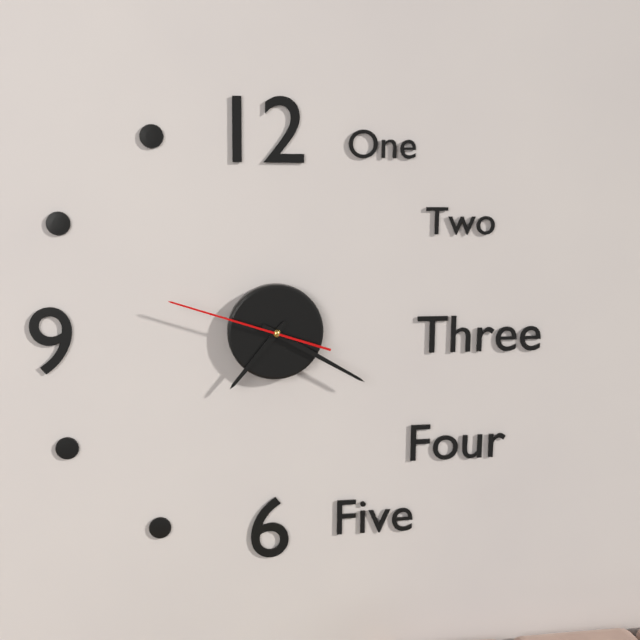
7.20.48
